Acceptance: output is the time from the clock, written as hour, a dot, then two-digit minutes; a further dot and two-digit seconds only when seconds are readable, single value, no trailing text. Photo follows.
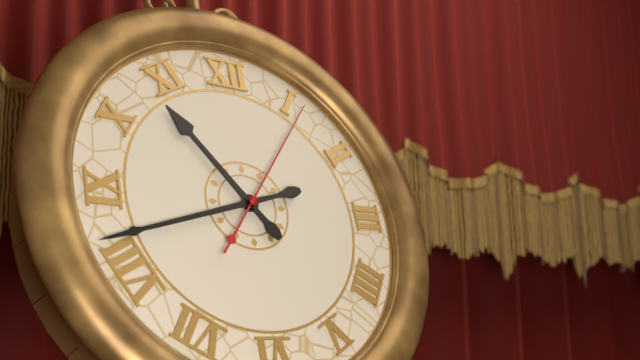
10.42.06
